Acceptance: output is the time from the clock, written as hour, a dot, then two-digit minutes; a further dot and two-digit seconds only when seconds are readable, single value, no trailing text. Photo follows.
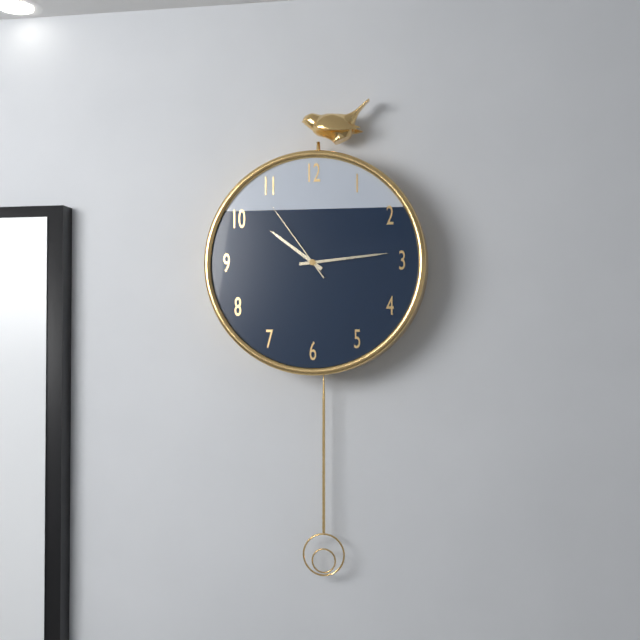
10.14.54
